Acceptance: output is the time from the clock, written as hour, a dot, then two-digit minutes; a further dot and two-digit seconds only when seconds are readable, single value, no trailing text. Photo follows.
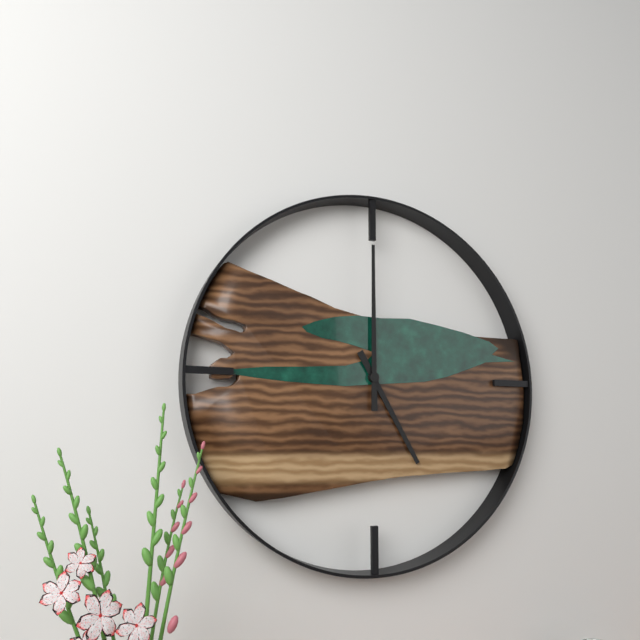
5.00
